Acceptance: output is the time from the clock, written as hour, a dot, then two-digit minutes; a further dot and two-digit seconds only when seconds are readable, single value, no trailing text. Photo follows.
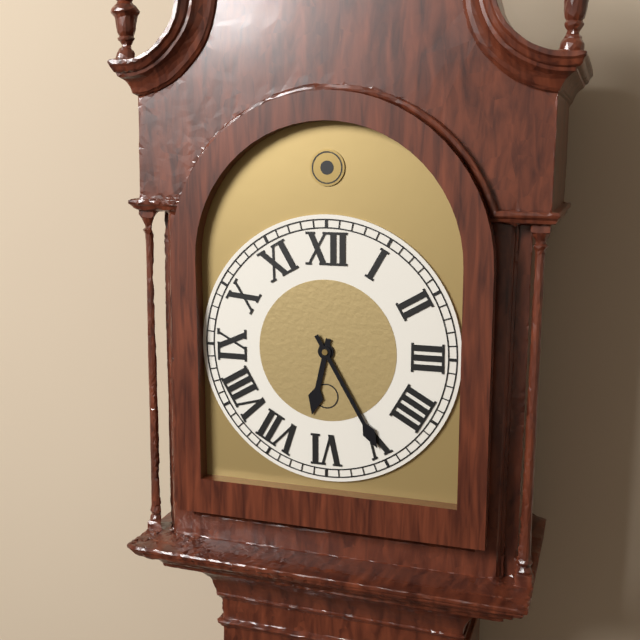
6.25
